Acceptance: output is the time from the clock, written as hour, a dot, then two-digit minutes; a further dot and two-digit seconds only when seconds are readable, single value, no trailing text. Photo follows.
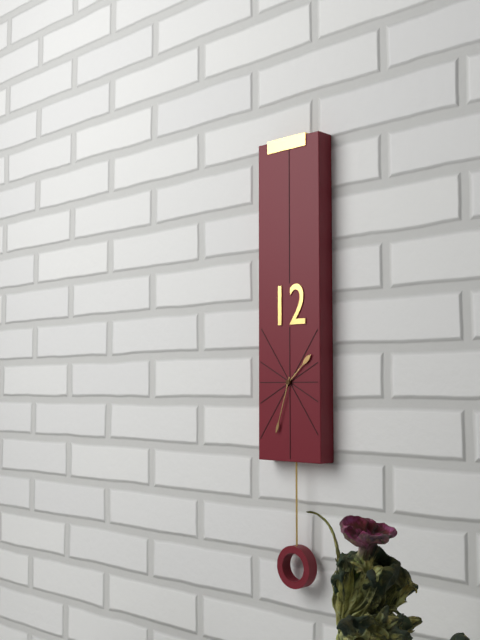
1.33
